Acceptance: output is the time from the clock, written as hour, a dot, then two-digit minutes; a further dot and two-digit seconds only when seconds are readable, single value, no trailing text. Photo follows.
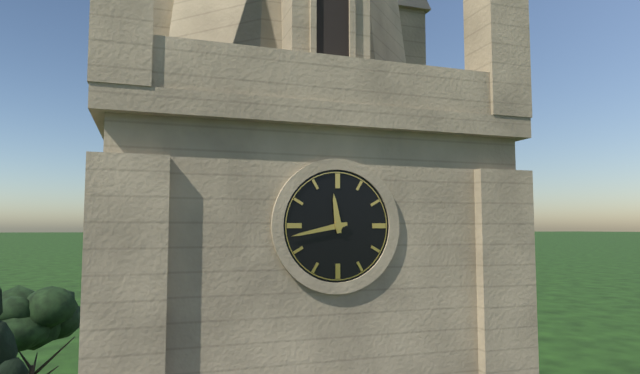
11.43
